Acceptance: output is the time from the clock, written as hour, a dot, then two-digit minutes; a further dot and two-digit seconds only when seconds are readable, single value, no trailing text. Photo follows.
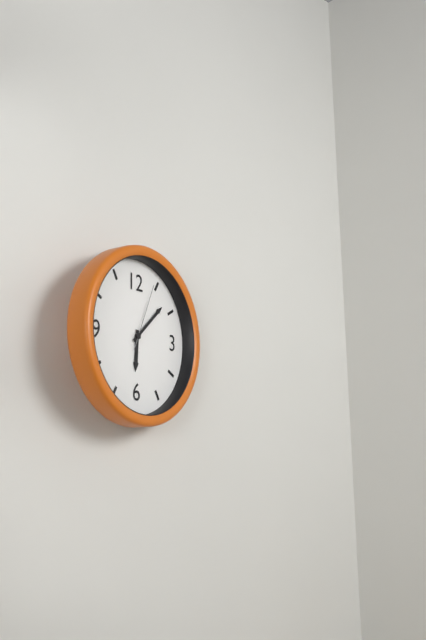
6.08.04
